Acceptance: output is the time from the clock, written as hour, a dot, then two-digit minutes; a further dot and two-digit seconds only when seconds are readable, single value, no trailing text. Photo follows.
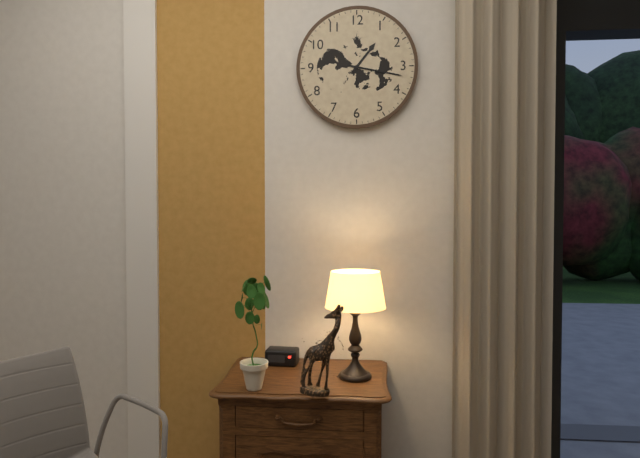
1.17
